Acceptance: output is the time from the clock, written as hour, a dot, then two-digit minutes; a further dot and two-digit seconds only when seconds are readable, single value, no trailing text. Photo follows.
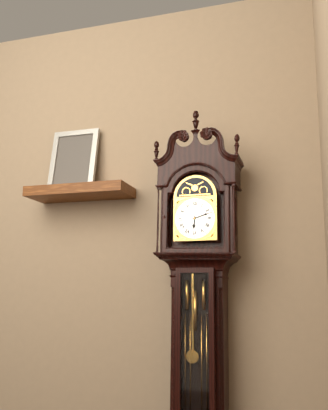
6.12
